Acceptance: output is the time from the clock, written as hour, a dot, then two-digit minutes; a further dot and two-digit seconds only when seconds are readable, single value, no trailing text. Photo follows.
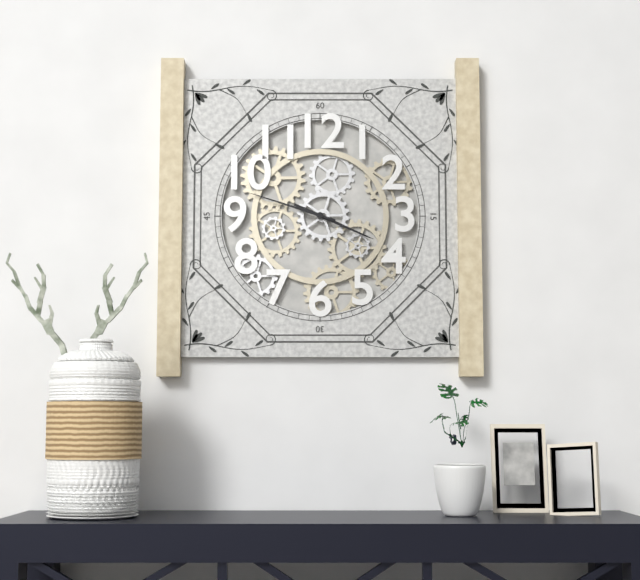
3.48
